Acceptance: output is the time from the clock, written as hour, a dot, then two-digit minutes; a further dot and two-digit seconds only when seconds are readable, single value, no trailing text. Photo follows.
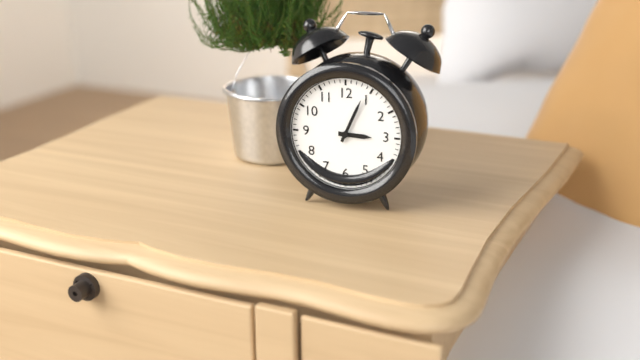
3.04
